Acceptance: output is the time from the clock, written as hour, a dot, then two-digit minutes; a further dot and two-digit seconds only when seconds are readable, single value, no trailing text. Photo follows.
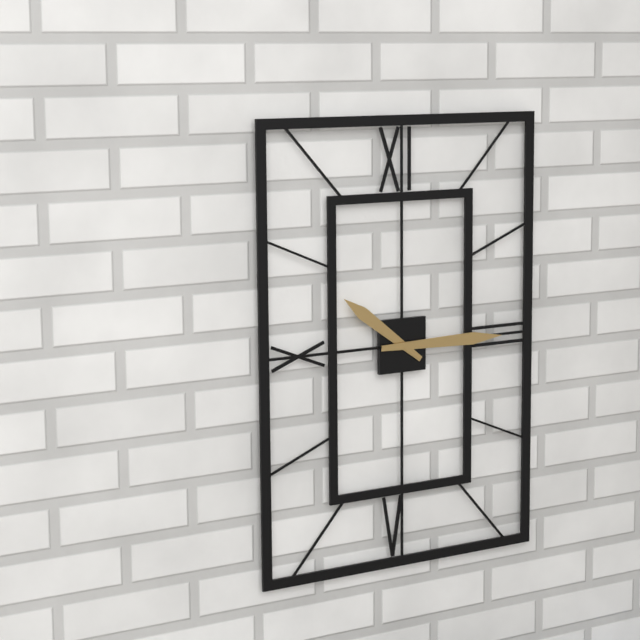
10.15
